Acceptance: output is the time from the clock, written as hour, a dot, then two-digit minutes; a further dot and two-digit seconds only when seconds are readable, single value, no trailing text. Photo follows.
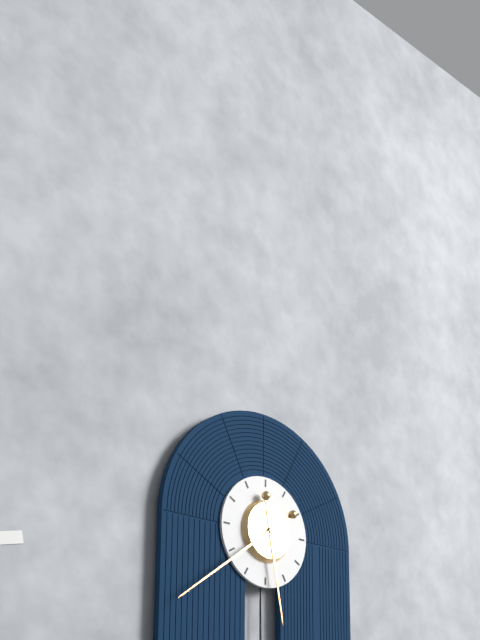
5.39
